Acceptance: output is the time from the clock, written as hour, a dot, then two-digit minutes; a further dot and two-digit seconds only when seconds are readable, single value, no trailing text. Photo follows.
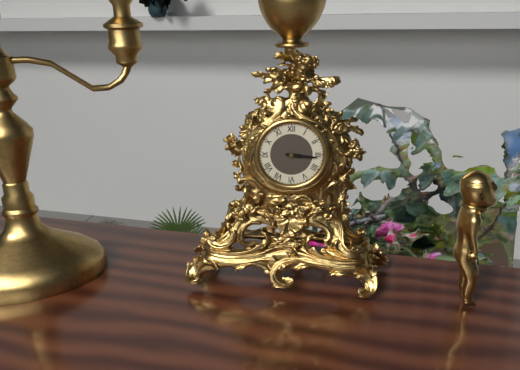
3.16
